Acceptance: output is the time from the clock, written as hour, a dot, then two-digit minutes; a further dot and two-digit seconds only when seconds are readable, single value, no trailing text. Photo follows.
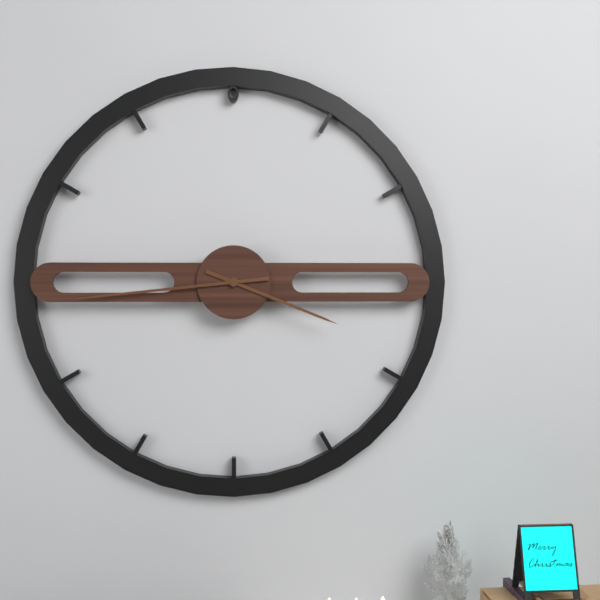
3.44
